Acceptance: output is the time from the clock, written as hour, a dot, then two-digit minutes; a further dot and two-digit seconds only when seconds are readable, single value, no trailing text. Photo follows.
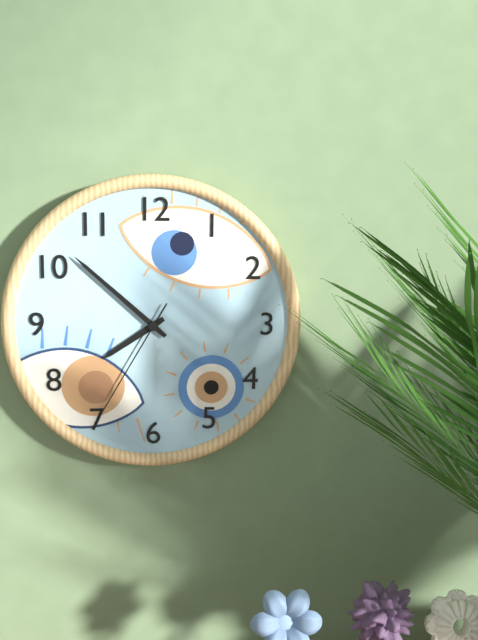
7.52.35
